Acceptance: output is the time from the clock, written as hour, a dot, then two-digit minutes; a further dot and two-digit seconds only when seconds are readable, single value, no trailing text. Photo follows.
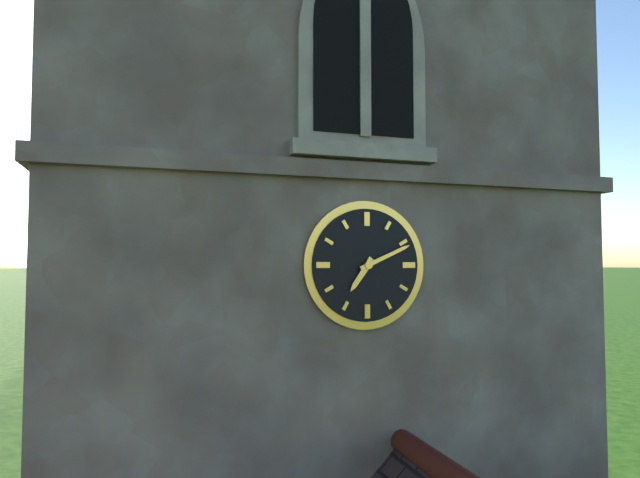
7.11
